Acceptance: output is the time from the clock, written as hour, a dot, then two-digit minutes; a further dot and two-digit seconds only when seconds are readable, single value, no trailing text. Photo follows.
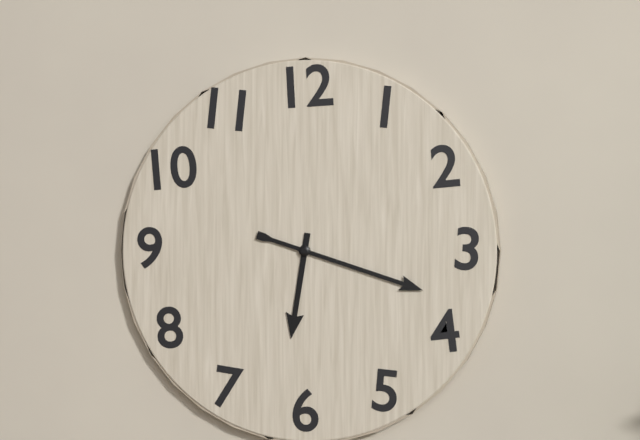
6.18
